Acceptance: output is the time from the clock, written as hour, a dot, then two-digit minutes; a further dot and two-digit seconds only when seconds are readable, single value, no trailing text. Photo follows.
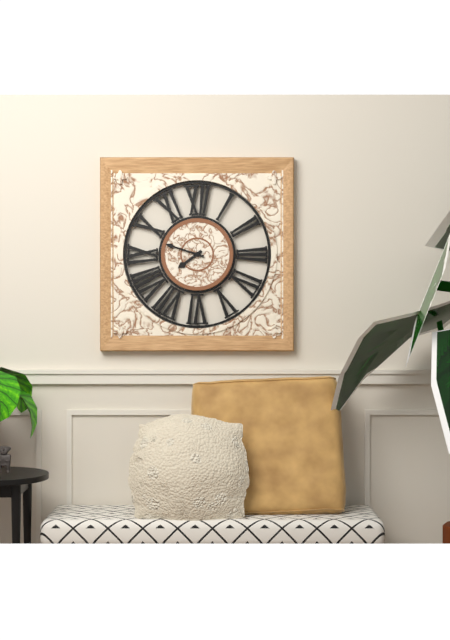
7.48
